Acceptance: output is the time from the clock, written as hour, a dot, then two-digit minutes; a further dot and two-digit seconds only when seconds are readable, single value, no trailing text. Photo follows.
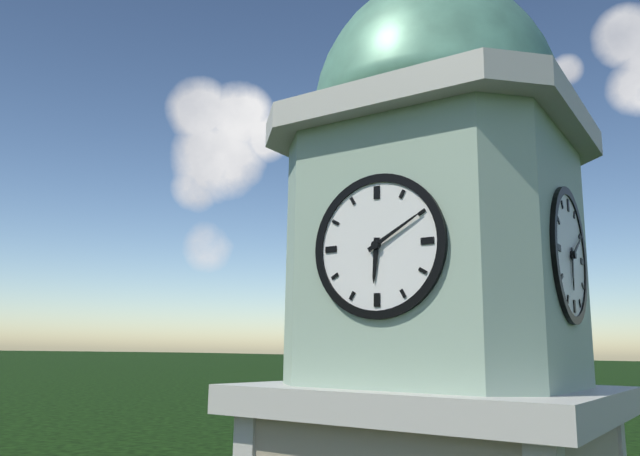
6.10
